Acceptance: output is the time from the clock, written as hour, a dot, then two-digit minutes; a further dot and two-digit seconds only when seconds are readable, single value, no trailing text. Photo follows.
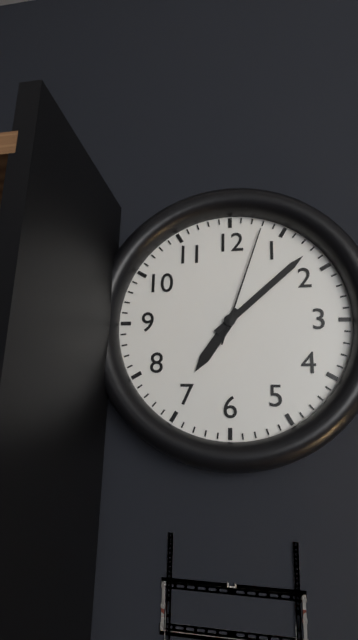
7.08.03
